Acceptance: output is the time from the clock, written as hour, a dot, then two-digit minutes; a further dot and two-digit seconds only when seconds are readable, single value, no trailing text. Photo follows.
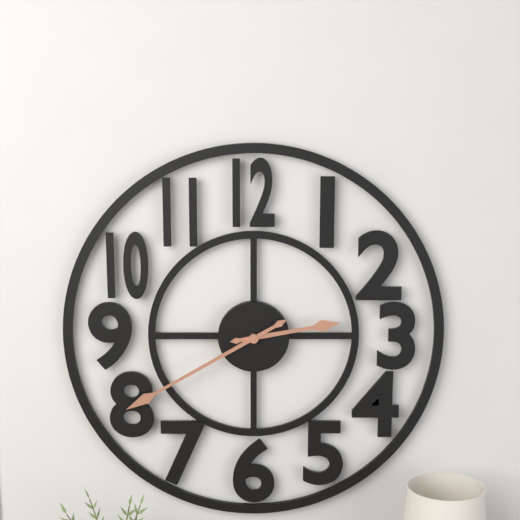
2.40
